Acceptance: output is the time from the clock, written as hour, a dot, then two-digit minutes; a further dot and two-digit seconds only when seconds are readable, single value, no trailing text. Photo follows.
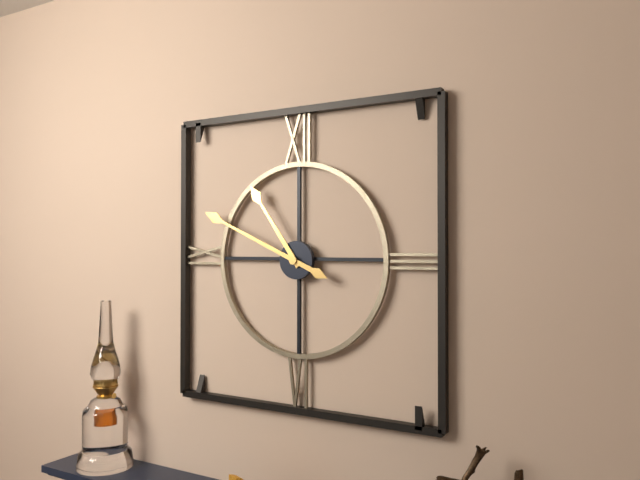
10.49
